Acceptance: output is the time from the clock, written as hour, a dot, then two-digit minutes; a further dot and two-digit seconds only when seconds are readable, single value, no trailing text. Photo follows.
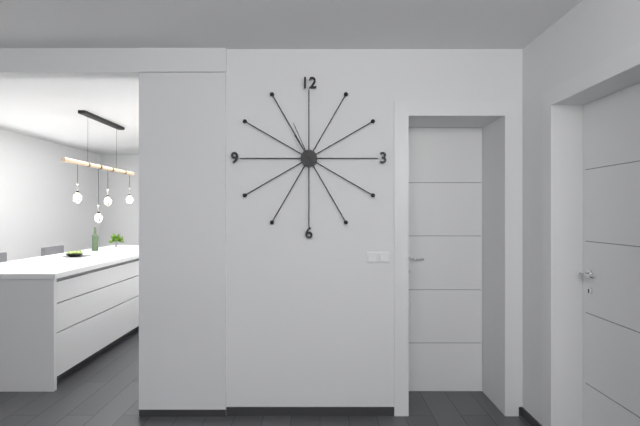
10.56
